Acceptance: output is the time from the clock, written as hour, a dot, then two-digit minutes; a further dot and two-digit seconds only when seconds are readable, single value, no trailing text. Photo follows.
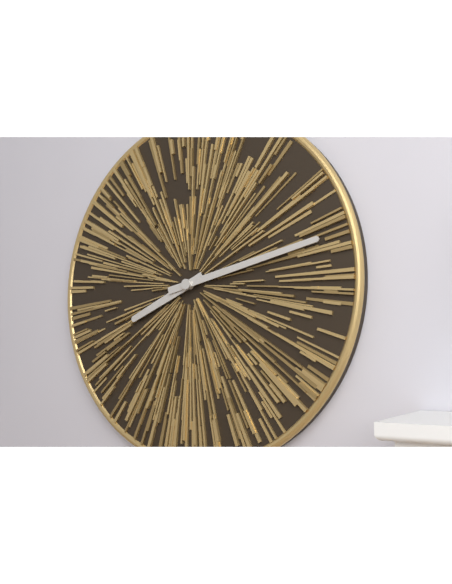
8.13
